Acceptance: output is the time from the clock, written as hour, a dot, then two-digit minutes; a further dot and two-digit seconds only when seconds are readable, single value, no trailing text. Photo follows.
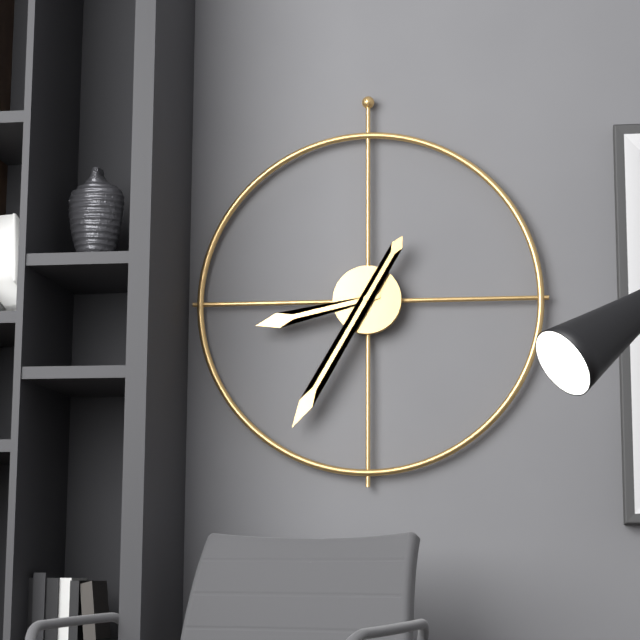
8.35
